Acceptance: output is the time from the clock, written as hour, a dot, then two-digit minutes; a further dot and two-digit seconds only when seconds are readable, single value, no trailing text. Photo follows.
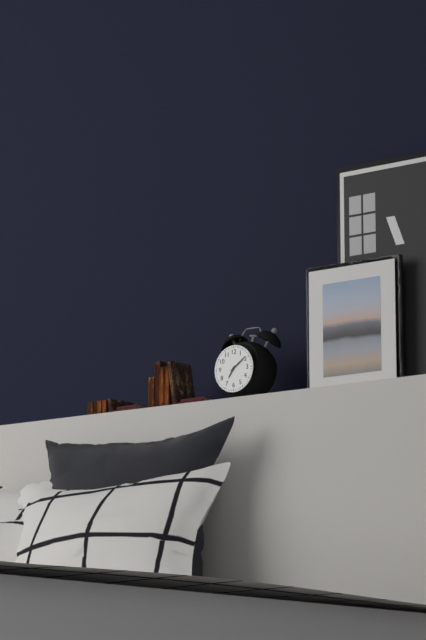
7.09
